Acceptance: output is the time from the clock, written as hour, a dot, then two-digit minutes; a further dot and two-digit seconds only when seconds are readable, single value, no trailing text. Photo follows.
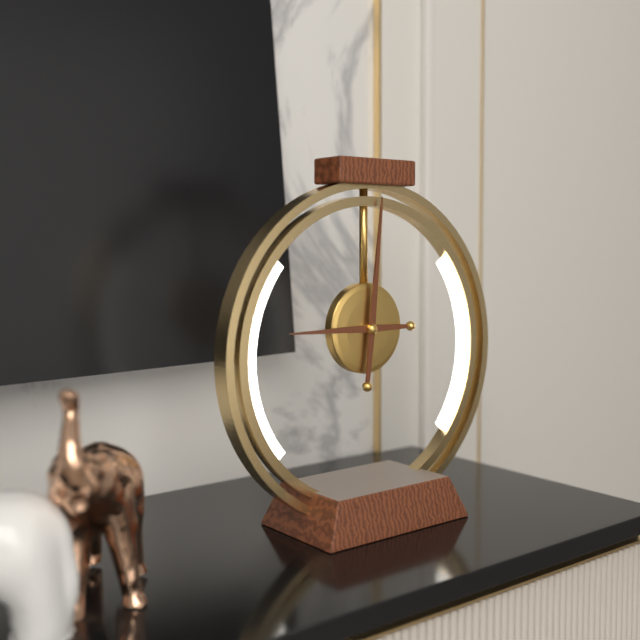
9.01
